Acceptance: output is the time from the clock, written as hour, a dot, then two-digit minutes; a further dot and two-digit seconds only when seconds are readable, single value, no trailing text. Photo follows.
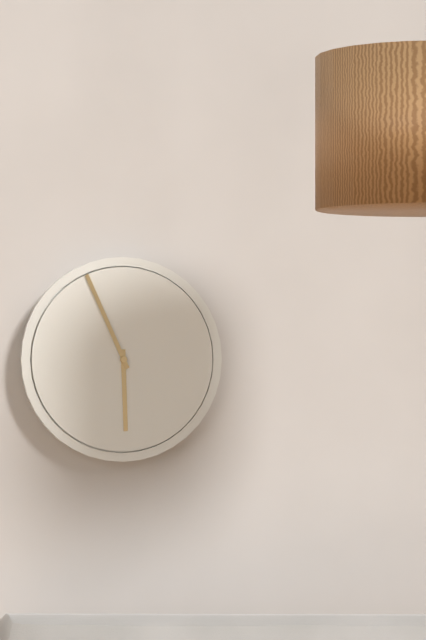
5.56
